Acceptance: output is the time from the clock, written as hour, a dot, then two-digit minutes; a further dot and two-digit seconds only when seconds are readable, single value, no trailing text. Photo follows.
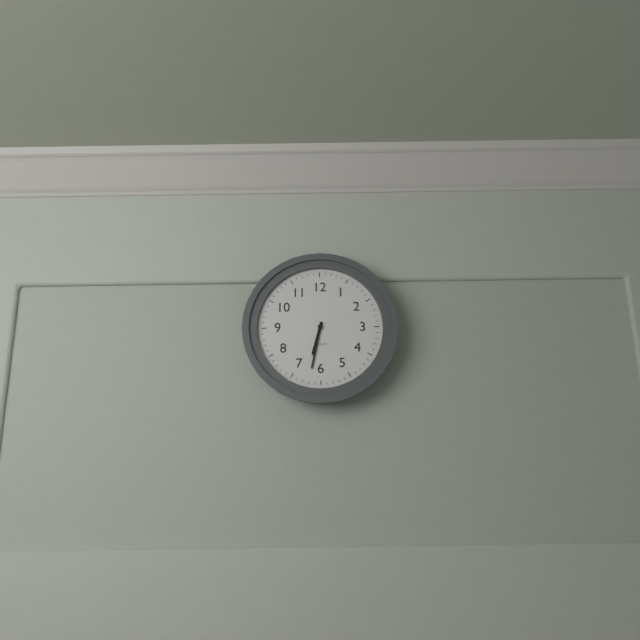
6.32
